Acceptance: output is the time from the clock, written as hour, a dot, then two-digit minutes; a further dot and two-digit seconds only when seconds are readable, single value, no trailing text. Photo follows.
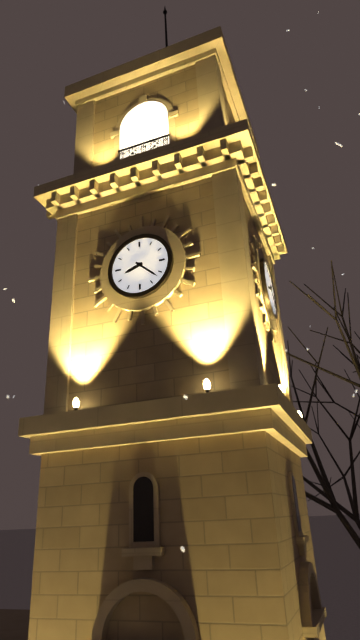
8.22
